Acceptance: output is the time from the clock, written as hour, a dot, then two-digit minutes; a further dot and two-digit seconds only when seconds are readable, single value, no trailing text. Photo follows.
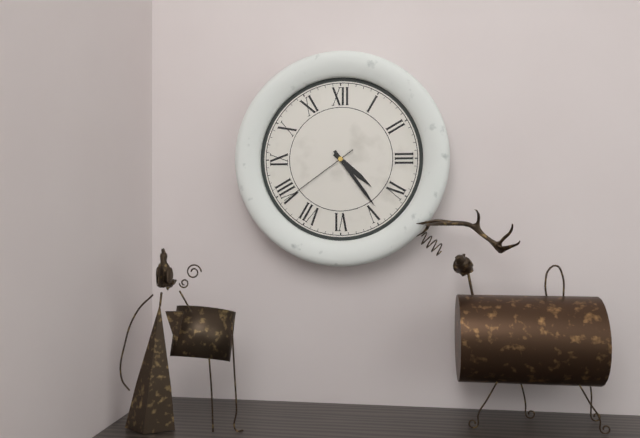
4.24.39
